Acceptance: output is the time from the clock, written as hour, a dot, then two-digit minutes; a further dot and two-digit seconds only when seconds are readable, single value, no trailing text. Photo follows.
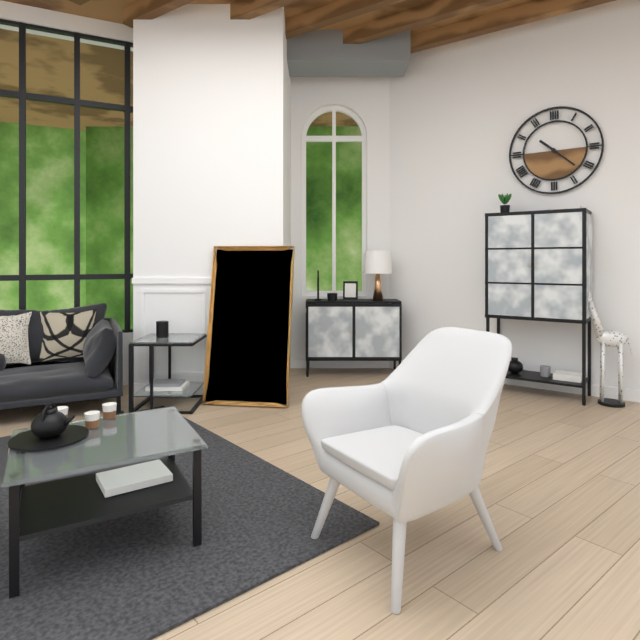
10.22
